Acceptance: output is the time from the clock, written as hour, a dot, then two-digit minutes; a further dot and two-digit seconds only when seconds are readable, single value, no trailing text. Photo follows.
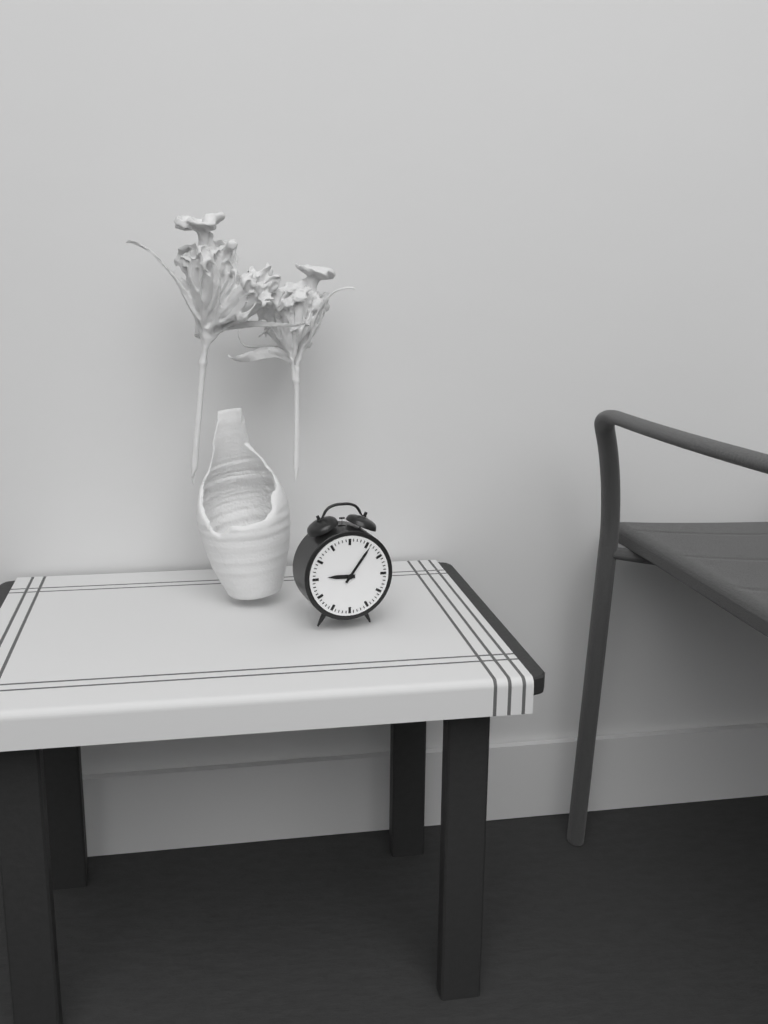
9.06
